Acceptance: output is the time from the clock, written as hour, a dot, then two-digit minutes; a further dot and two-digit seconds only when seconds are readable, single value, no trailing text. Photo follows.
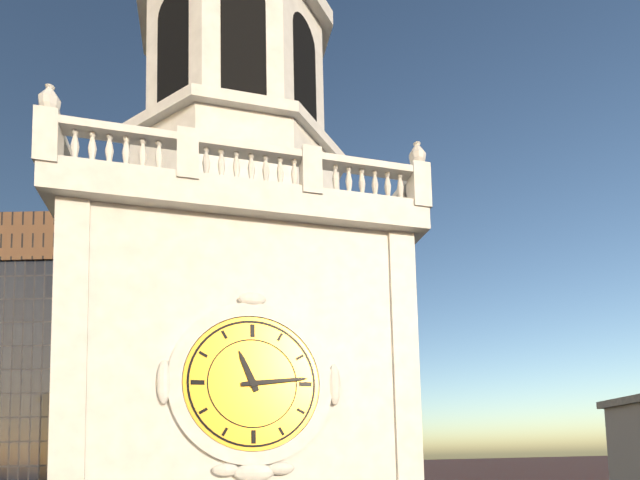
11.14
